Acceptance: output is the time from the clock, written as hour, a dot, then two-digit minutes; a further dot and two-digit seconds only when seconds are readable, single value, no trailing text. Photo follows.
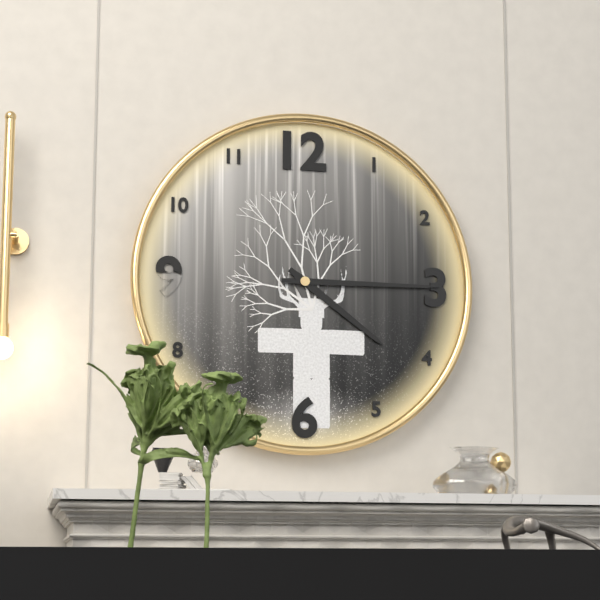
4.15
